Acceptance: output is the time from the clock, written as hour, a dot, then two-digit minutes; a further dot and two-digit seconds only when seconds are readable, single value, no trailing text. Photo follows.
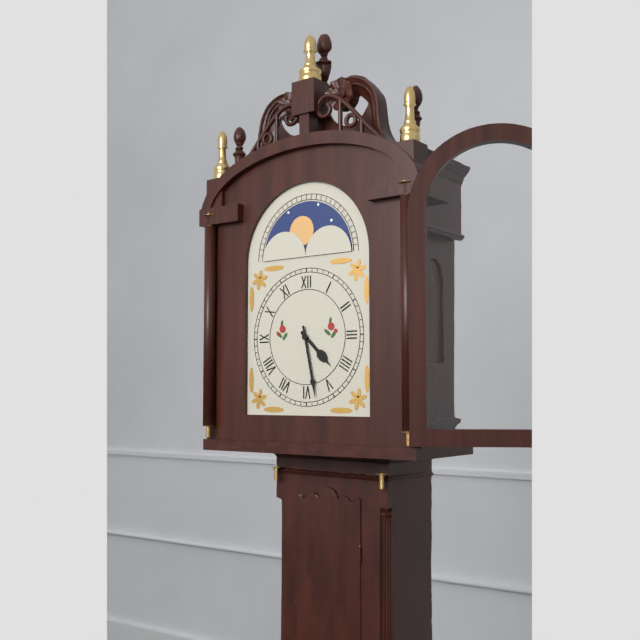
4.28
